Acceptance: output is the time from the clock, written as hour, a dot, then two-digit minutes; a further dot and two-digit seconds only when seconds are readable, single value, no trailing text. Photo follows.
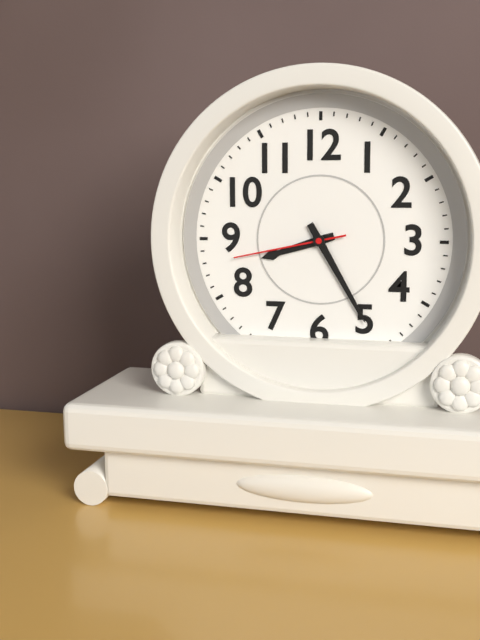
8.25.43
